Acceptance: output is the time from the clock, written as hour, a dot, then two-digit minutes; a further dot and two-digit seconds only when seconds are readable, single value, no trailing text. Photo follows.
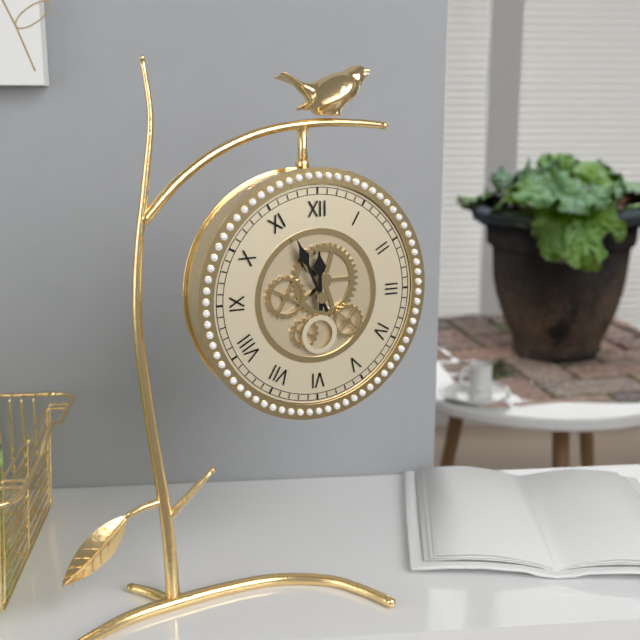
11.56
